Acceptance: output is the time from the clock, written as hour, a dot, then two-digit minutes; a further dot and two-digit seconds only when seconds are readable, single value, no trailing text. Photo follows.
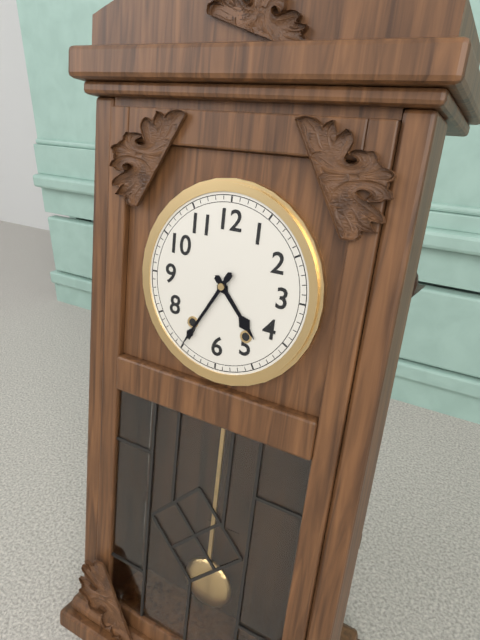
4.35
